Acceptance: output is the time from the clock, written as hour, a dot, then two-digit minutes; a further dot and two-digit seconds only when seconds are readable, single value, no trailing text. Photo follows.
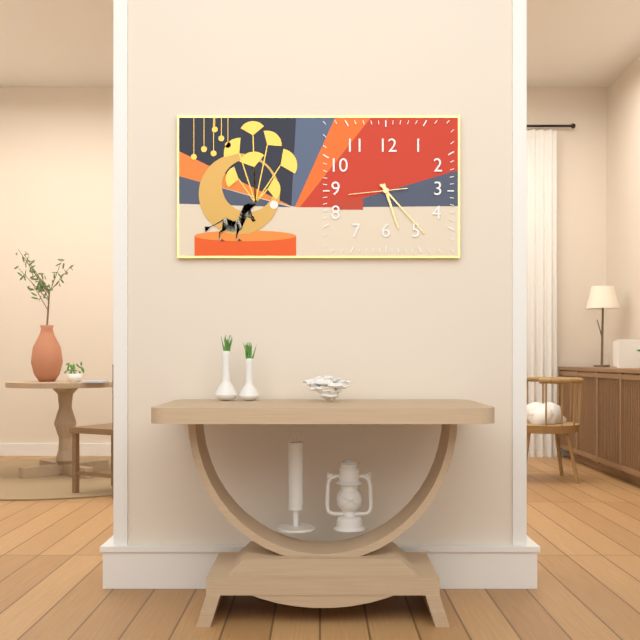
5.23
